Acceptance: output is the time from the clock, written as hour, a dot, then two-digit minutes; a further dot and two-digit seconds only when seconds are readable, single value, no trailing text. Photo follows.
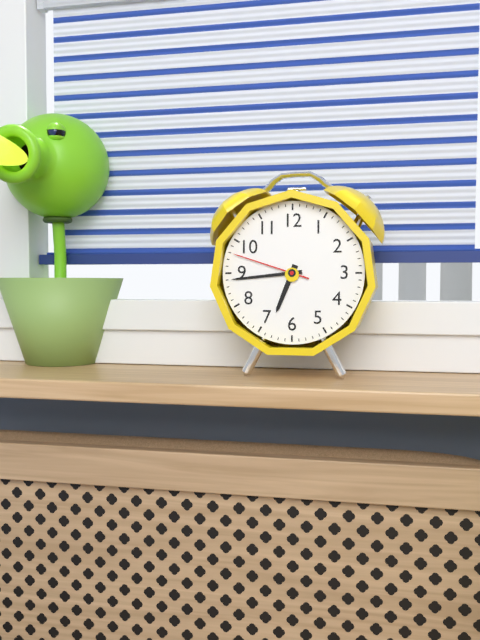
6.44.48
